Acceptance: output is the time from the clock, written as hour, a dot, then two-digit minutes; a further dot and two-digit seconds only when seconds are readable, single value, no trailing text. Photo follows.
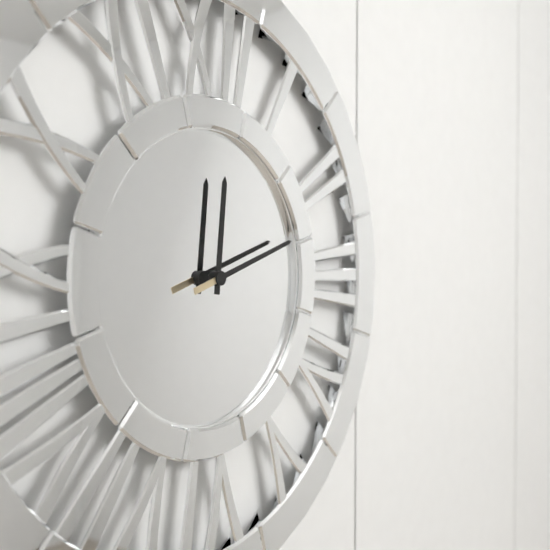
12.12
